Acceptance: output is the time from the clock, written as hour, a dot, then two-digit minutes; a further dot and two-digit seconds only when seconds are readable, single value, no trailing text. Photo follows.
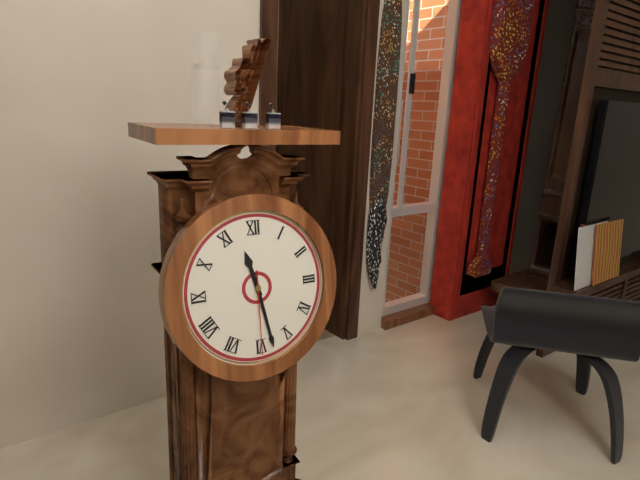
11.28.30
